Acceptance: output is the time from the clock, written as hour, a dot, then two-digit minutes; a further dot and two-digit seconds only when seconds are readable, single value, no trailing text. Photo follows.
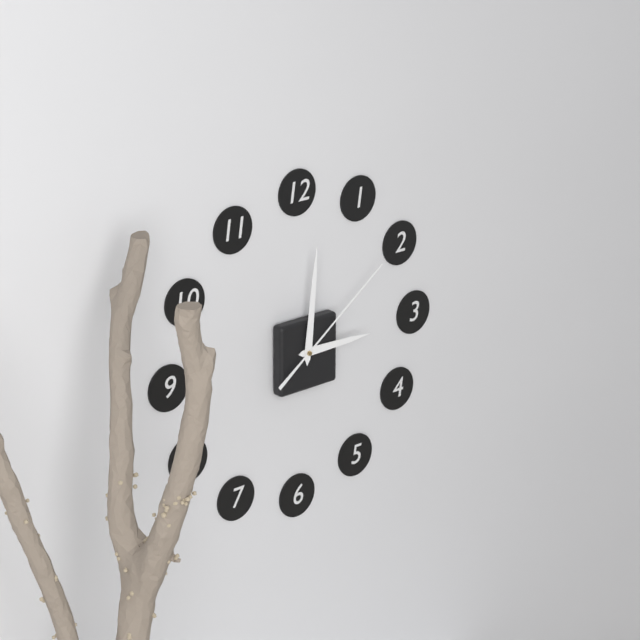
3.01.09
